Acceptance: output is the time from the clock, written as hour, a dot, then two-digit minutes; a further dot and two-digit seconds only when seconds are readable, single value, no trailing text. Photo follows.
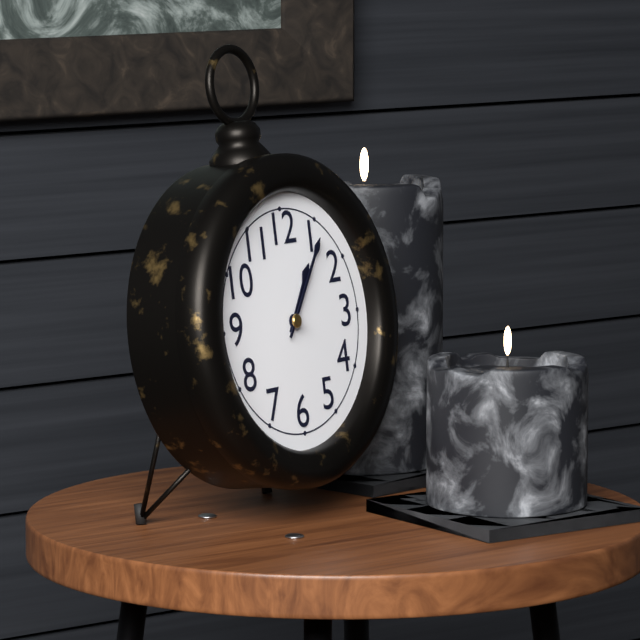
1.06
